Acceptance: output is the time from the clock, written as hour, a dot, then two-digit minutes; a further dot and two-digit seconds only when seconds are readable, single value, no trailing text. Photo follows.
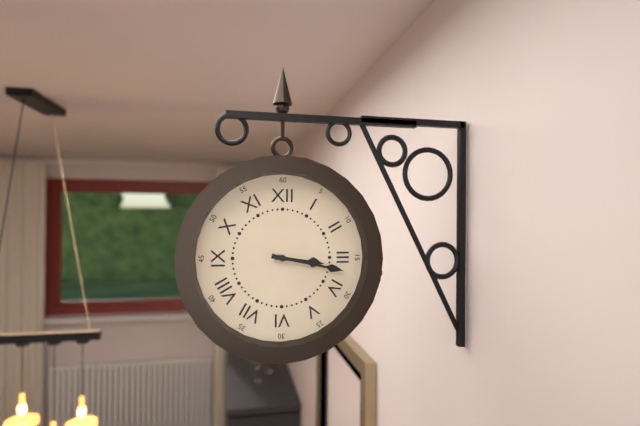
3.17
